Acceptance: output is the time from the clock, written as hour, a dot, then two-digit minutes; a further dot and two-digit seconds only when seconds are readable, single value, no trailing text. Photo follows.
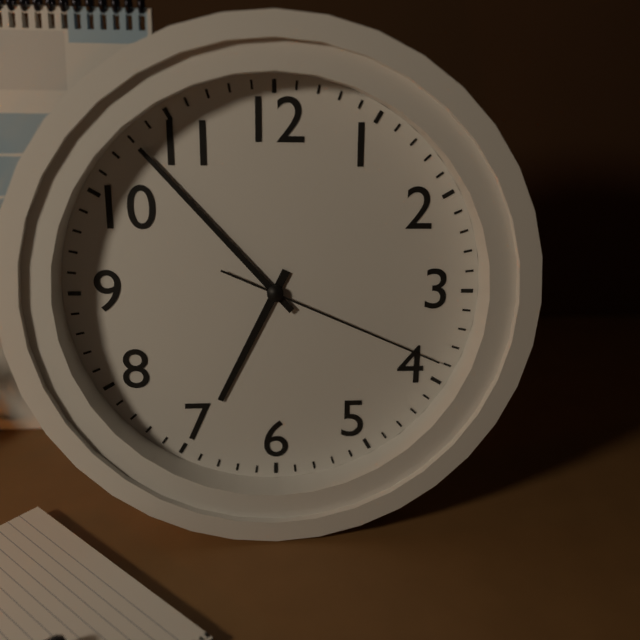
6.53.19
